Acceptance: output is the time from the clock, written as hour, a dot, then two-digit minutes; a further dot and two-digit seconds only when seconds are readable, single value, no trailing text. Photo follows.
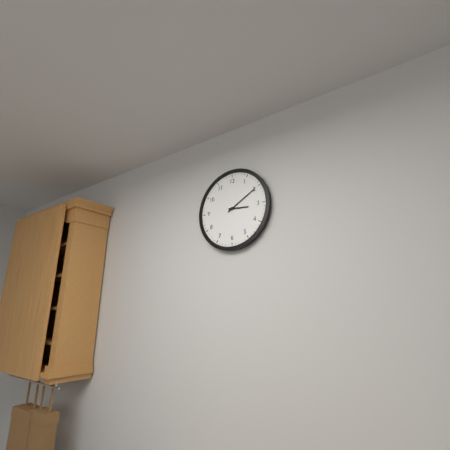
3.10
